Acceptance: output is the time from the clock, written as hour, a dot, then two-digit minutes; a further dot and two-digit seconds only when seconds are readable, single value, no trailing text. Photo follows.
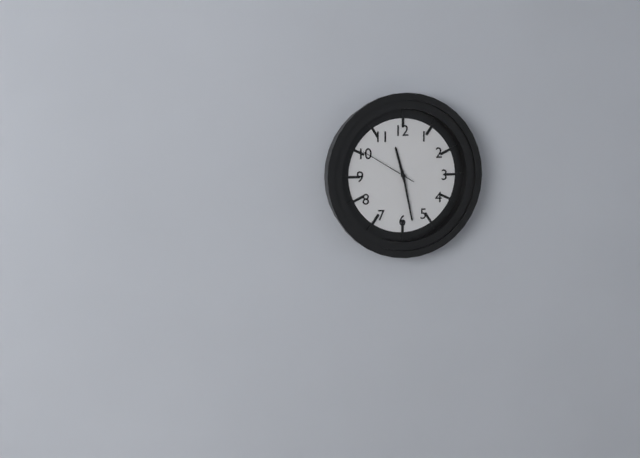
11.28.50
